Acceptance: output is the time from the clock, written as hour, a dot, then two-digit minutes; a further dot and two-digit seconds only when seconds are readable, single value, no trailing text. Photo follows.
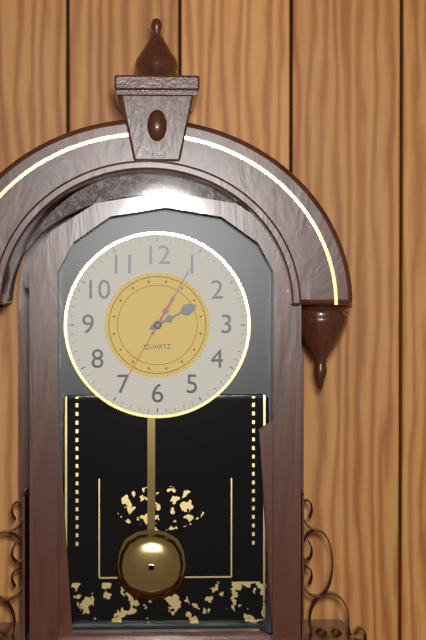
2.05.35
